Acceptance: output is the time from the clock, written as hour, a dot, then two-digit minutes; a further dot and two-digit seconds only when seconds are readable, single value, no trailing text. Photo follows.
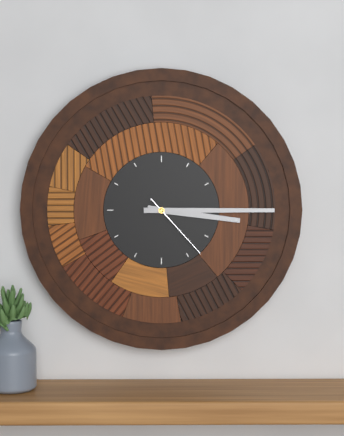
3.15.23
